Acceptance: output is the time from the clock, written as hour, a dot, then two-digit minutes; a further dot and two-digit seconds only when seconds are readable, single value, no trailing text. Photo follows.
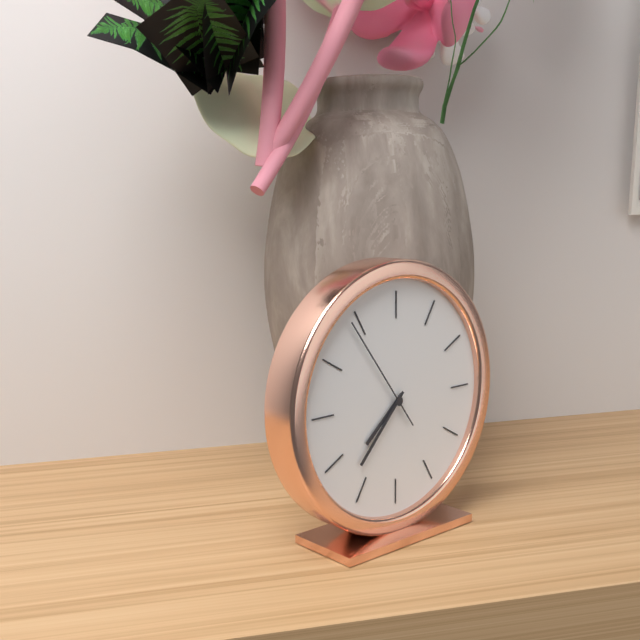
7.37.54
